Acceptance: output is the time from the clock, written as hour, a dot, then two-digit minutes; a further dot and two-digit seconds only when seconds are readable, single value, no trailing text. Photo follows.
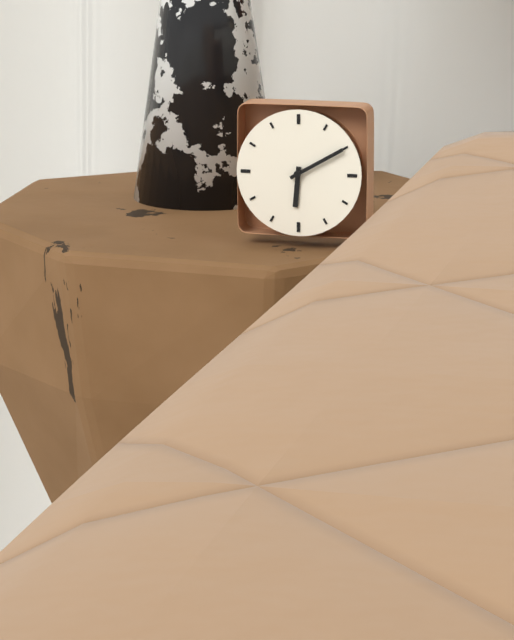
6.10
